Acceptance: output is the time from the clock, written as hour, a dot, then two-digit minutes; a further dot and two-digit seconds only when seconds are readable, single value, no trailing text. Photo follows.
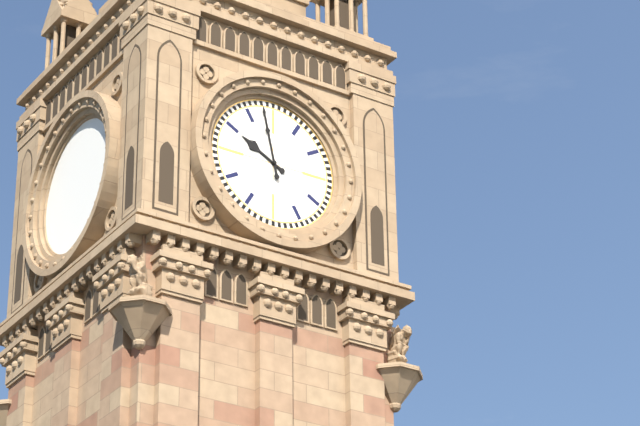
9.58
